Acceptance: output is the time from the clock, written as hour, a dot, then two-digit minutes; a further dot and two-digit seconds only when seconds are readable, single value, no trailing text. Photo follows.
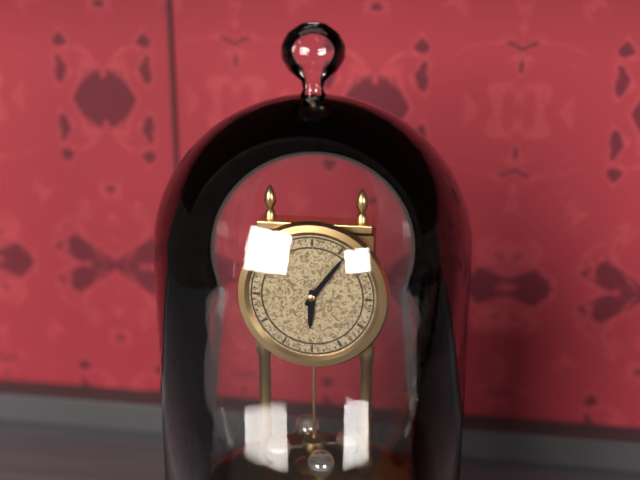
6.06
